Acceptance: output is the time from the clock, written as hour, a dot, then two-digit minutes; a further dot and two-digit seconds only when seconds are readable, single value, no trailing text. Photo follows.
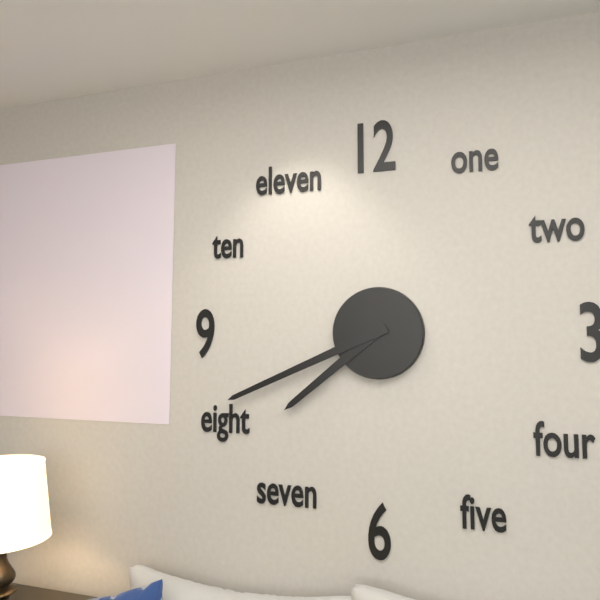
7.41
